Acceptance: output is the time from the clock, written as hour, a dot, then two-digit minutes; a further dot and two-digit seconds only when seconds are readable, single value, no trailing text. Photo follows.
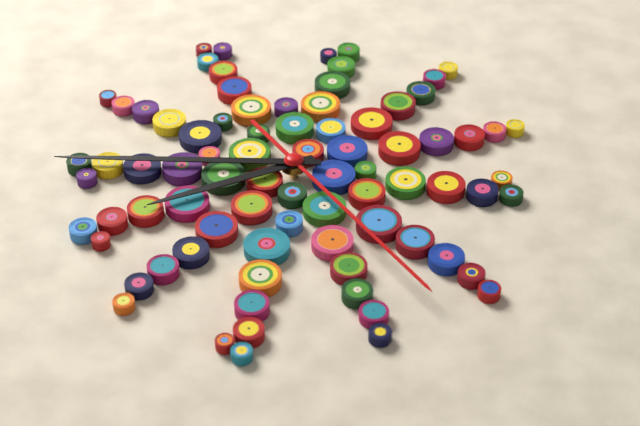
7.43.22
